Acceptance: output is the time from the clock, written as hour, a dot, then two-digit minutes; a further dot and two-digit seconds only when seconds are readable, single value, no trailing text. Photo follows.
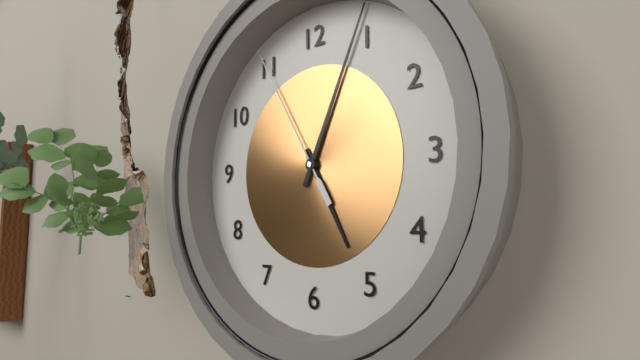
5.04.55
